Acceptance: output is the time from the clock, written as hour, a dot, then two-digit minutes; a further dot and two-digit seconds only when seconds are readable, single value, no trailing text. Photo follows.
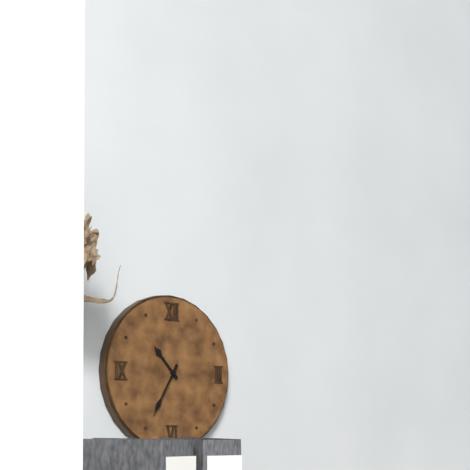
10.35
